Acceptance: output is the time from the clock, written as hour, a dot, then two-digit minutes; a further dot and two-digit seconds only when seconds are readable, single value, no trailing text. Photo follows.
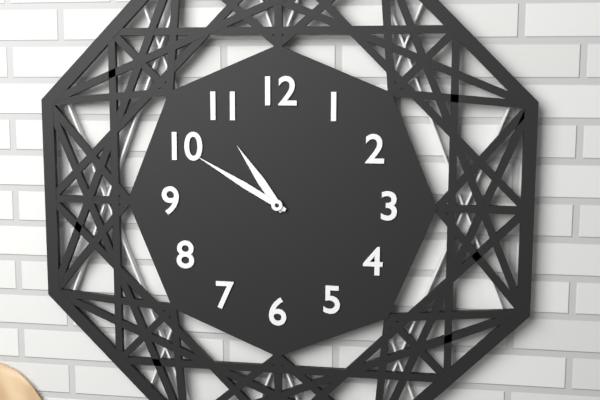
10.50
